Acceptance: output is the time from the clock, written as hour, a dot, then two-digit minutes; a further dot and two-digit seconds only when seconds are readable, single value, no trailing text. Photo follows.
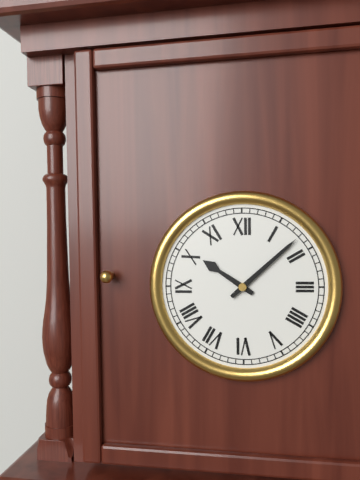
10.08
